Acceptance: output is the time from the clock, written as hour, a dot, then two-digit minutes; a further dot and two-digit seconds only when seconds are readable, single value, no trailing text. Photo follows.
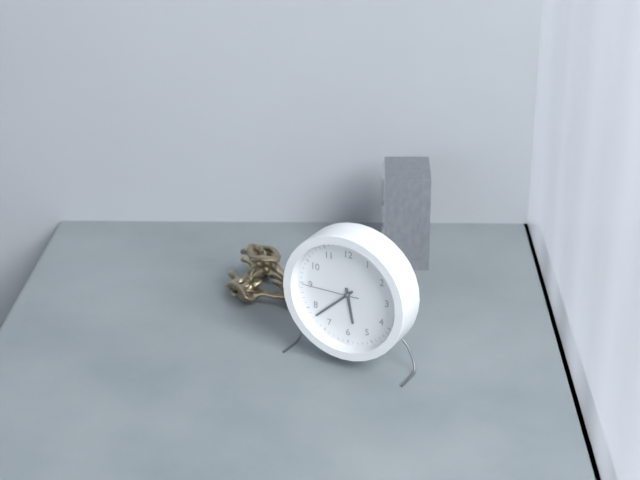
5.38.45
